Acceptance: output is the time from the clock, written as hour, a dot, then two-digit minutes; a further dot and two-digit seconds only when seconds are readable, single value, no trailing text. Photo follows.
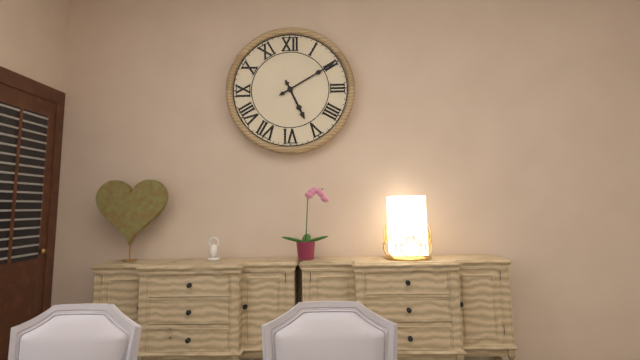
5.10
